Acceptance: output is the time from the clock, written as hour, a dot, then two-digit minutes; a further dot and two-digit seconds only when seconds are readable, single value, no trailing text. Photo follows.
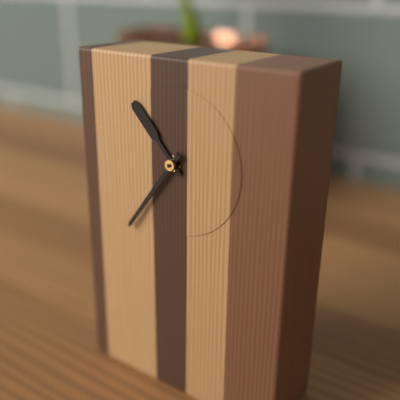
10.36
